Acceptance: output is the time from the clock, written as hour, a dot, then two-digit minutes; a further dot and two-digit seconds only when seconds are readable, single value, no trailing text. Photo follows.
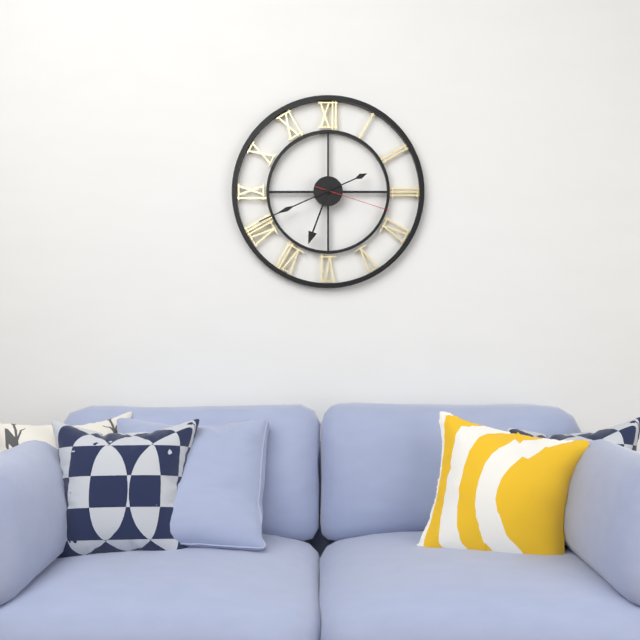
6.41.18
